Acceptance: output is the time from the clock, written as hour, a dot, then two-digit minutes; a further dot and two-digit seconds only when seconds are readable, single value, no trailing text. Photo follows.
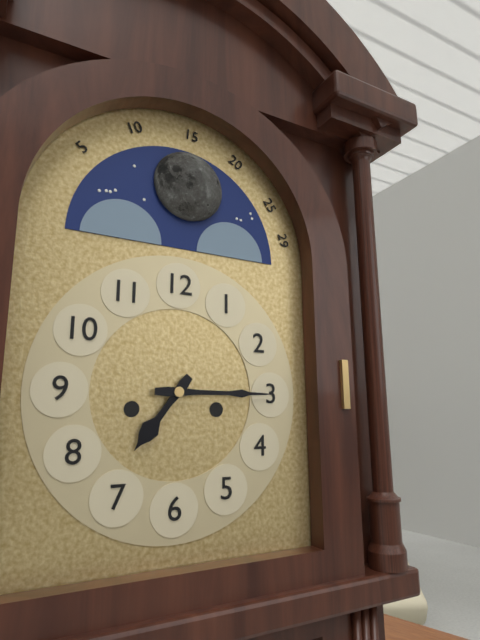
7.15
